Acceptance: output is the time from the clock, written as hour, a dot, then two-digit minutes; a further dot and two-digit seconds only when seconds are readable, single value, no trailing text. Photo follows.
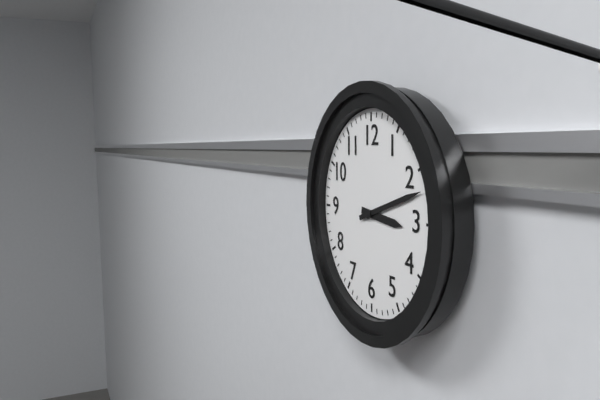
3.12
